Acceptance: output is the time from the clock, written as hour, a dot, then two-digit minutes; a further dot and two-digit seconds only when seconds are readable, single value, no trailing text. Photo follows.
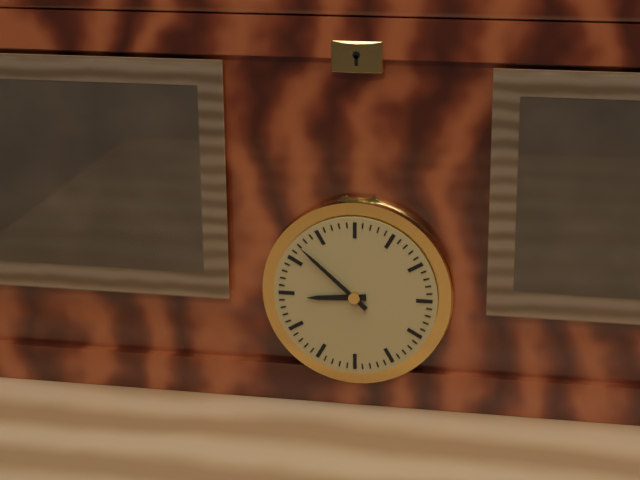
8.52
